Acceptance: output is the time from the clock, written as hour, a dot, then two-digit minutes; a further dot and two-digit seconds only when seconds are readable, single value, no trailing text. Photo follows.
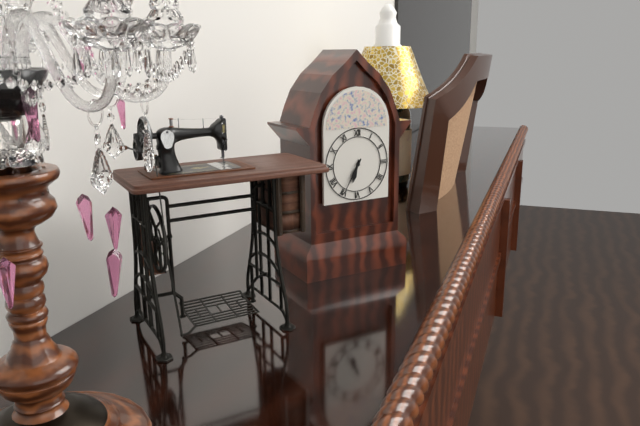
6.35
